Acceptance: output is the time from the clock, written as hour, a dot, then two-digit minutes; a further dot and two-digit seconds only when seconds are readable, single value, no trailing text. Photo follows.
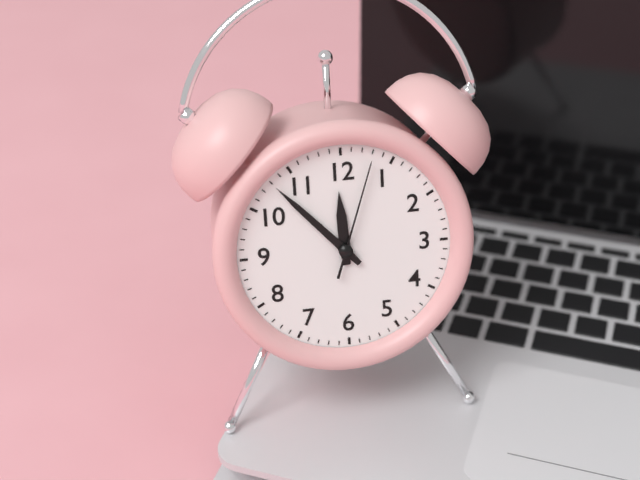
11.53.03
